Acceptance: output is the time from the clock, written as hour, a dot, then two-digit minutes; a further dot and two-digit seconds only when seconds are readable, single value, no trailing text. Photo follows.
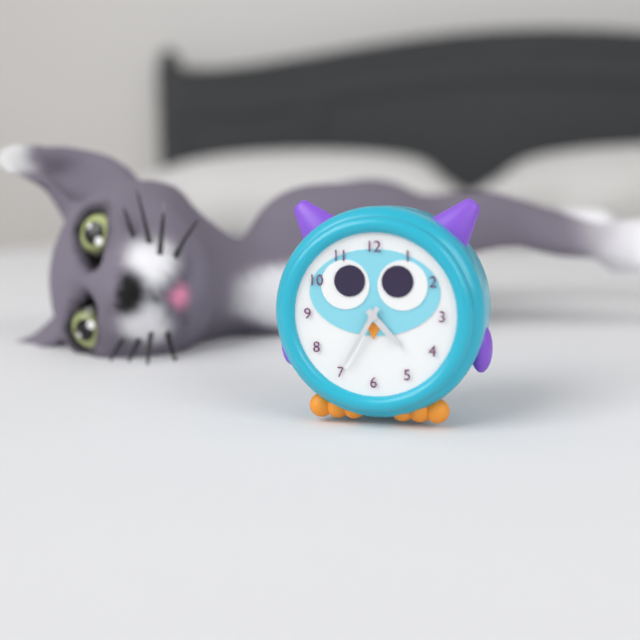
4.35
